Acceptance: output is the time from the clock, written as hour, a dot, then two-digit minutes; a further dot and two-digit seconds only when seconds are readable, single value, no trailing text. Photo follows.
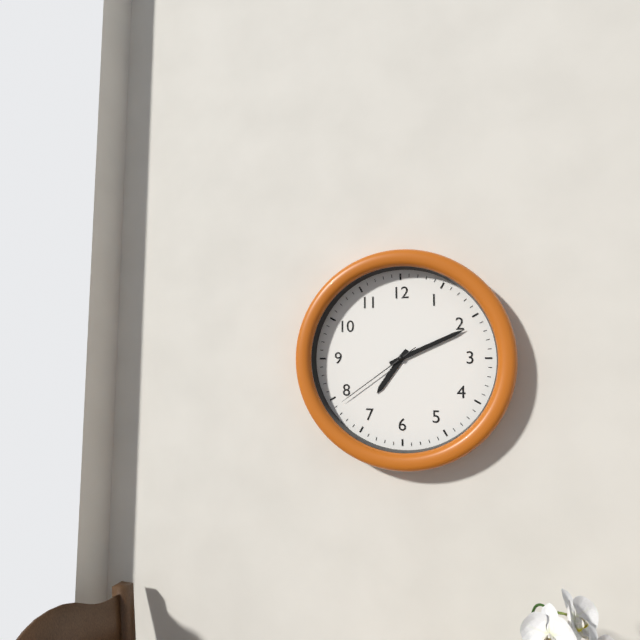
7.11.39
